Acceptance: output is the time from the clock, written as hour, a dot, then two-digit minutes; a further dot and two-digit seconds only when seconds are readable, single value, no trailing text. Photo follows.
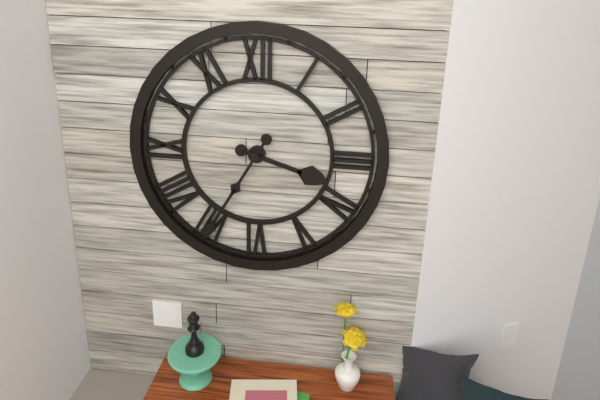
3.35
